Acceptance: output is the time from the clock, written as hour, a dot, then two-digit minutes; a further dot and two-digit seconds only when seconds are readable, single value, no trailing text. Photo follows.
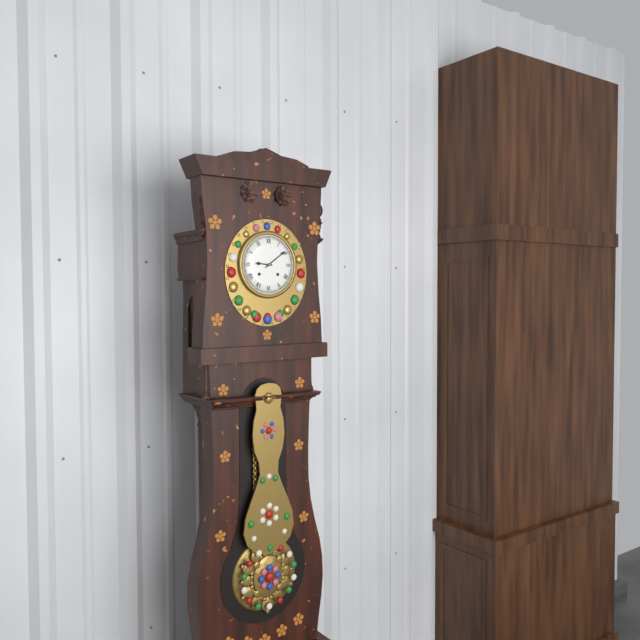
9.09
